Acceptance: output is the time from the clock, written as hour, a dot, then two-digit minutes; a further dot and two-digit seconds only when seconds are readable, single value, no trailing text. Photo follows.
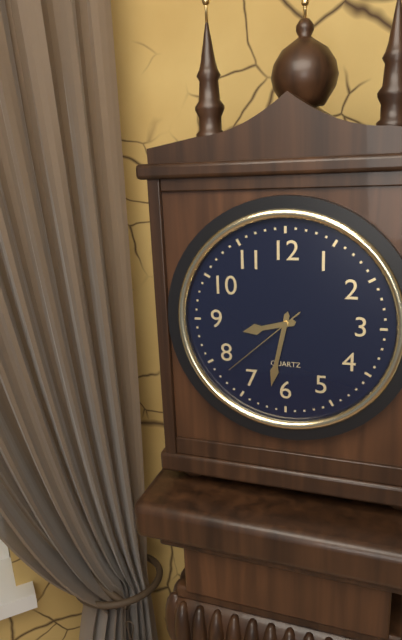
8.32.38
